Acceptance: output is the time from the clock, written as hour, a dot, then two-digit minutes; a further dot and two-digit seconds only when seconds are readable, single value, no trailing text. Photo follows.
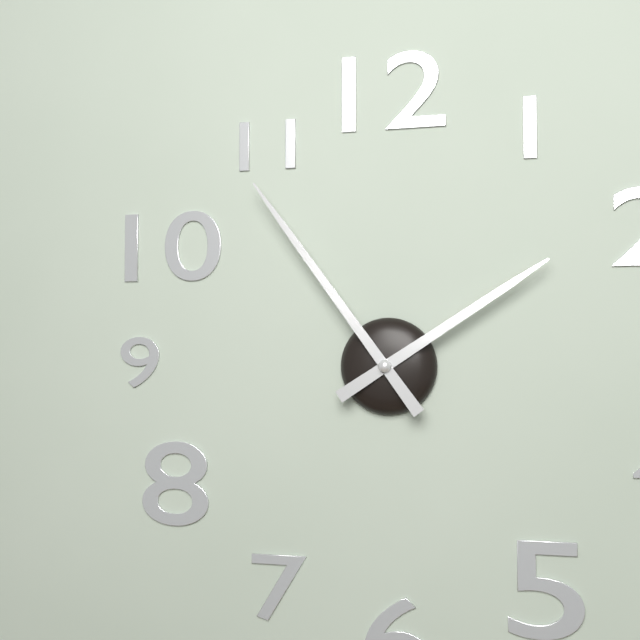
1.54
